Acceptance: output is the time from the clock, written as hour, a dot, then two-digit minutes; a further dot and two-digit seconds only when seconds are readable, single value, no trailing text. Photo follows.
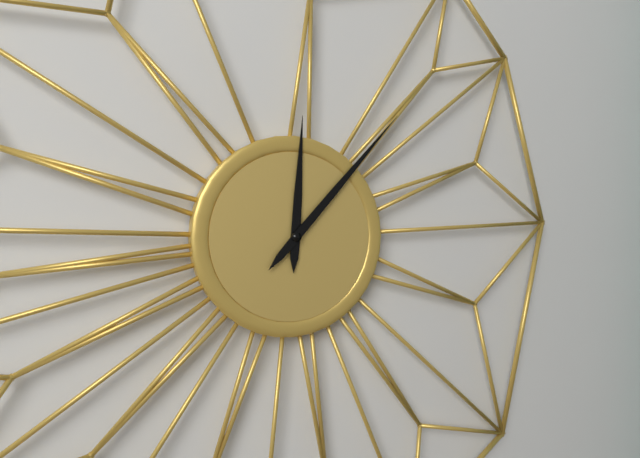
12.07
